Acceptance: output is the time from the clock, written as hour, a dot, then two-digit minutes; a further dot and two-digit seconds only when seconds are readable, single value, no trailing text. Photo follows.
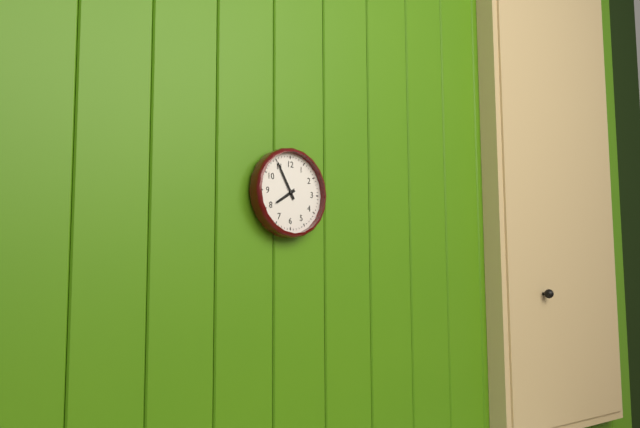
7.55
